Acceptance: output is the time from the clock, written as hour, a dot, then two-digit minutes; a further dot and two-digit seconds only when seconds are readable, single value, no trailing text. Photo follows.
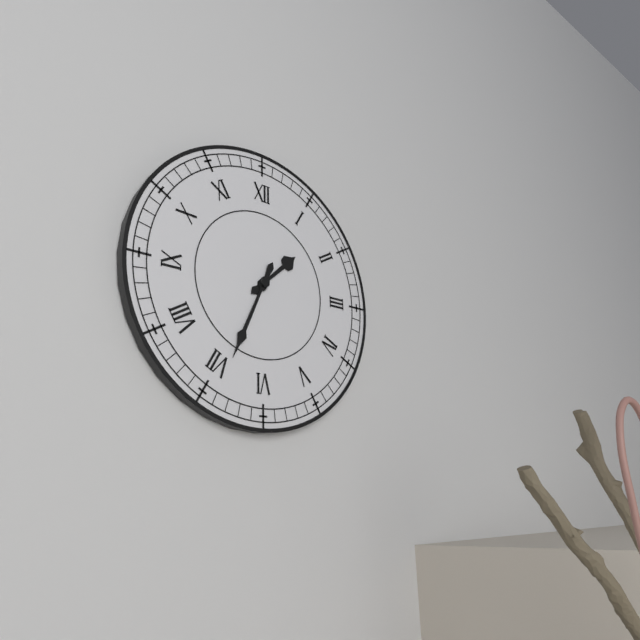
1.34
